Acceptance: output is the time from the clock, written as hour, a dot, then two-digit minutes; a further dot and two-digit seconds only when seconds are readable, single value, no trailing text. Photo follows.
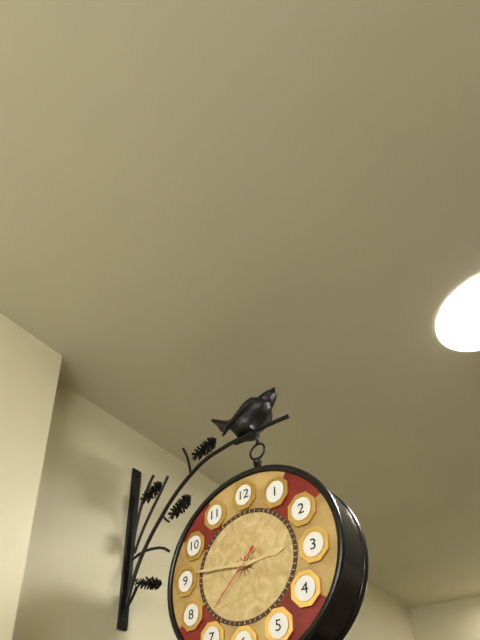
2.46.37
